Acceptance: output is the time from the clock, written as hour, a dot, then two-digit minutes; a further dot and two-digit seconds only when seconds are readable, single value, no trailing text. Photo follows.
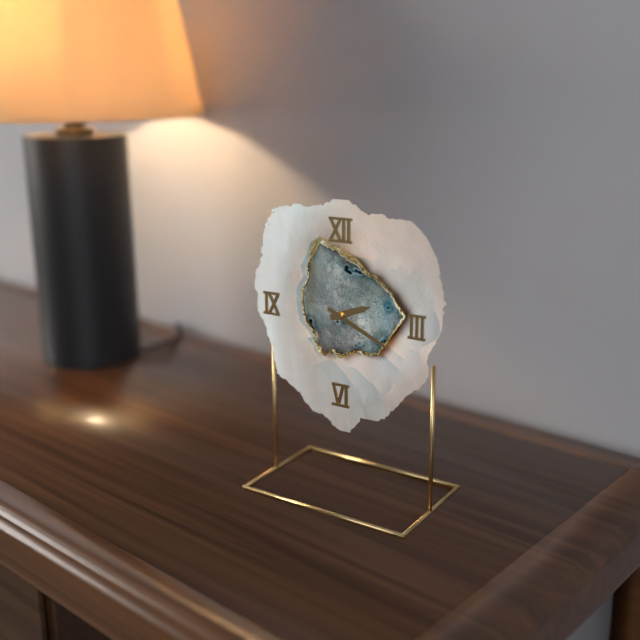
2.19
